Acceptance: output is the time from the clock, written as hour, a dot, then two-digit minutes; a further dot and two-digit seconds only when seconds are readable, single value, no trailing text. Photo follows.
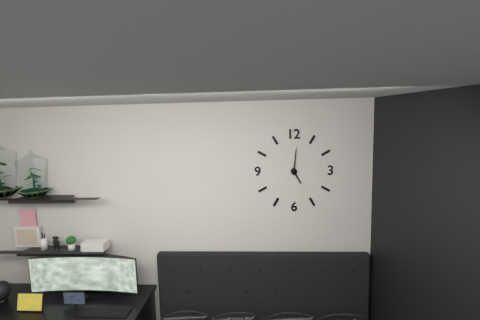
5.01
